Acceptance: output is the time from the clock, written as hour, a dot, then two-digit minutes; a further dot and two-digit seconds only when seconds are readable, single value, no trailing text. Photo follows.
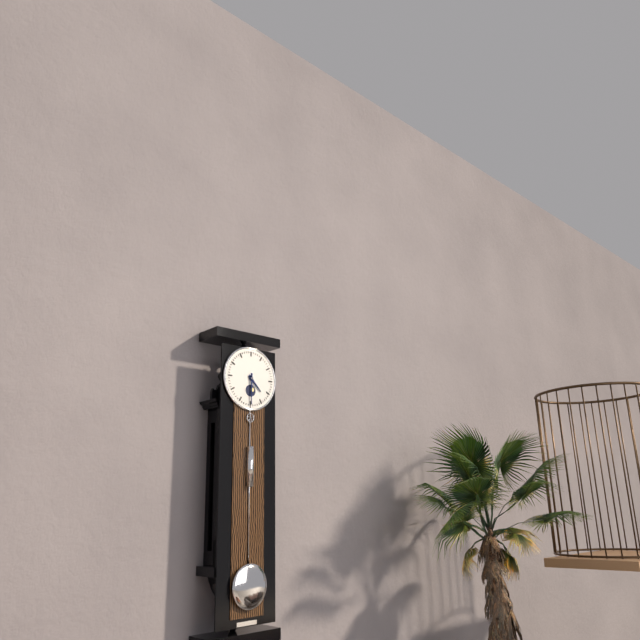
4.30
